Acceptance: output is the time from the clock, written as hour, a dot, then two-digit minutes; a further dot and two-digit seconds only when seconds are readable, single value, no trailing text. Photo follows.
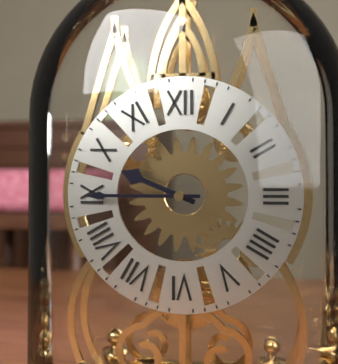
9.45
